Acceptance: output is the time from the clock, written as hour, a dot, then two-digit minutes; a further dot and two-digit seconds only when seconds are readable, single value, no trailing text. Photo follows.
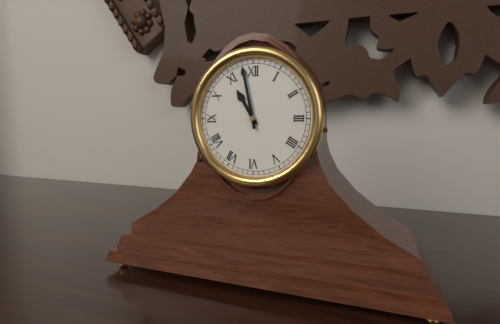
10.58
